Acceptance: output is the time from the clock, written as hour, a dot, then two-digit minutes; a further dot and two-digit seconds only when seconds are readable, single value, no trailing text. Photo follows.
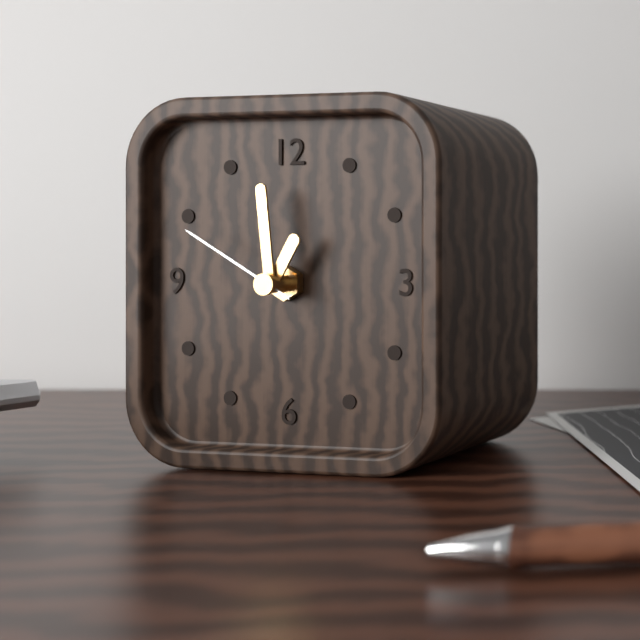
12.59.50
